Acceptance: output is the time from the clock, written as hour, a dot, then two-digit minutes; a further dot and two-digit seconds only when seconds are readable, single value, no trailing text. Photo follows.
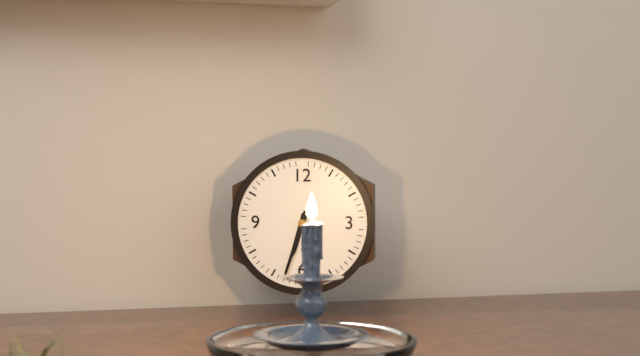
6.33
